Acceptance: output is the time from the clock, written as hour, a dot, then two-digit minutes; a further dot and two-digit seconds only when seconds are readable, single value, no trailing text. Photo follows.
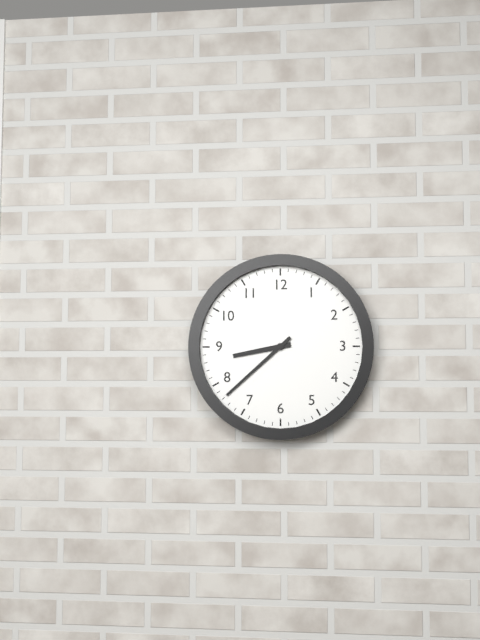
8.38
